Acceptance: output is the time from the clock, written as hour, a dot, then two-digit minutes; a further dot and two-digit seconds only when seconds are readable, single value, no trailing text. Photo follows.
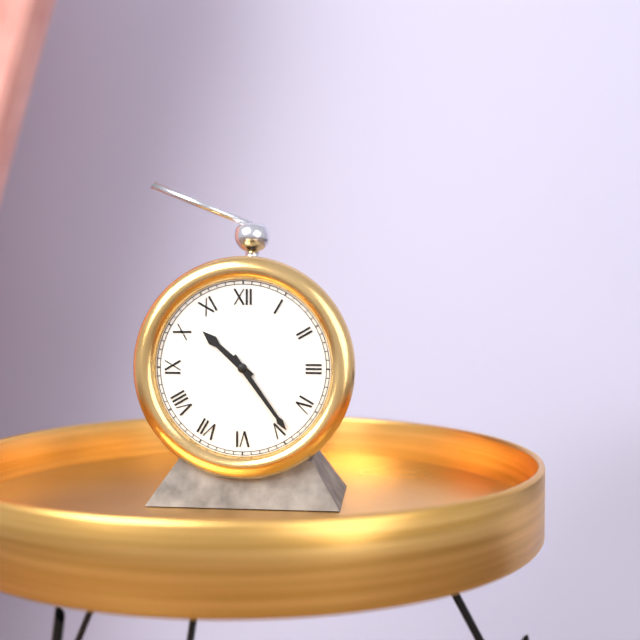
10.24
